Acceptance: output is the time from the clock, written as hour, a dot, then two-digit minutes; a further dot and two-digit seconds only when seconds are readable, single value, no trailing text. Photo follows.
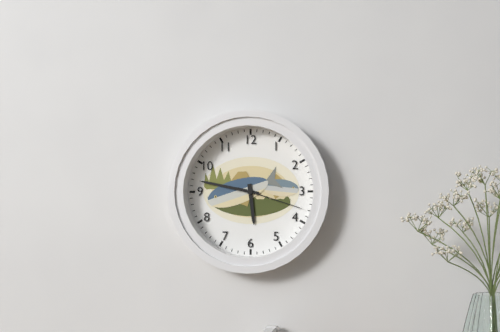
5.47.18
